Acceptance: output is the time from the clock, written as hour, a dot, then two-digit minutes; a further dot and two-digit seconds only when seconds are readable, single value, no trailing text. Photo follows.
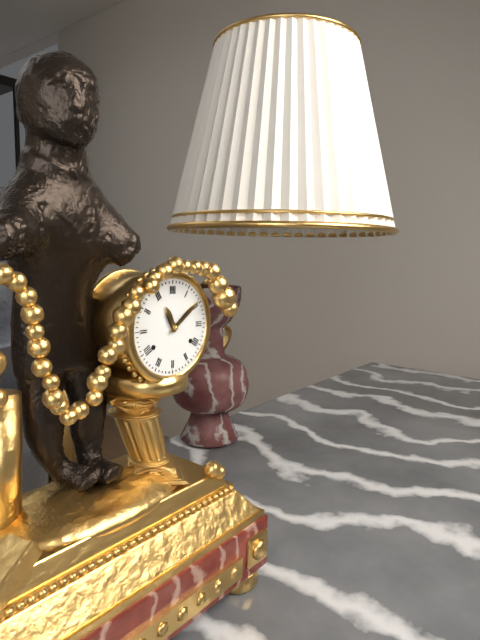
11.09
